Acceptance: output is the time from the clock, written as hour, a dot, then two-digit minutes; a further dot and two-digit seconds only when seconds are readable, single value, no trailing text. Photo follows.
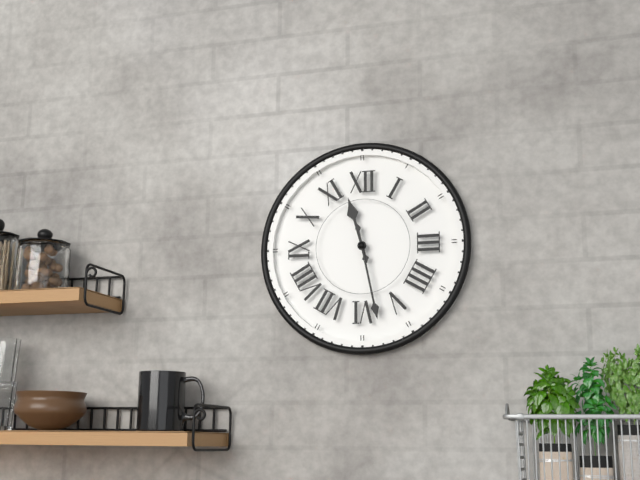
11.28
